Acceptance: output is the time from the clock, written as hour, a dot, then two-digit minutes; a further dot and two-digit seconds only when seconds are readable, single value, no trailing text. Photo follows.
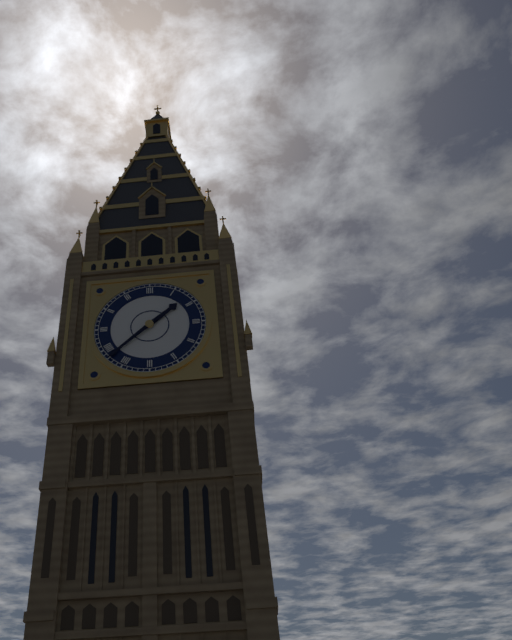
1.38
